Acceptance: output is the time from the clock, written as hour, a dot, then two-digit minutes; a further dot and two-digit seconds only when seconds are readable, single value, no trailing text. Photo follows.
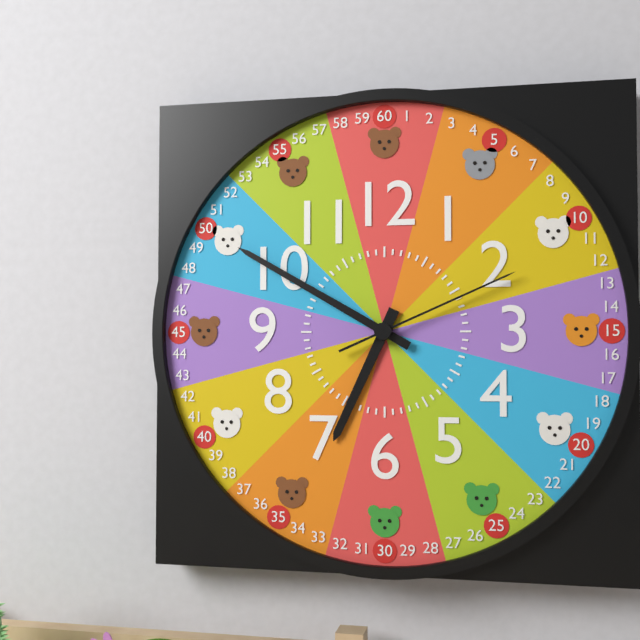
6.50.11
